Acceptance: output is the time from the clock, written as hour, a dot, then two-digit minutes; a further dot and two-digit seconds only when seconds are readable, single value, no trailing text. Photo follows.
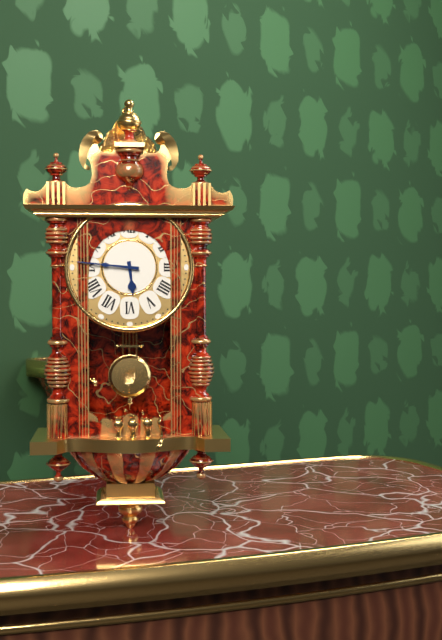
5.46
